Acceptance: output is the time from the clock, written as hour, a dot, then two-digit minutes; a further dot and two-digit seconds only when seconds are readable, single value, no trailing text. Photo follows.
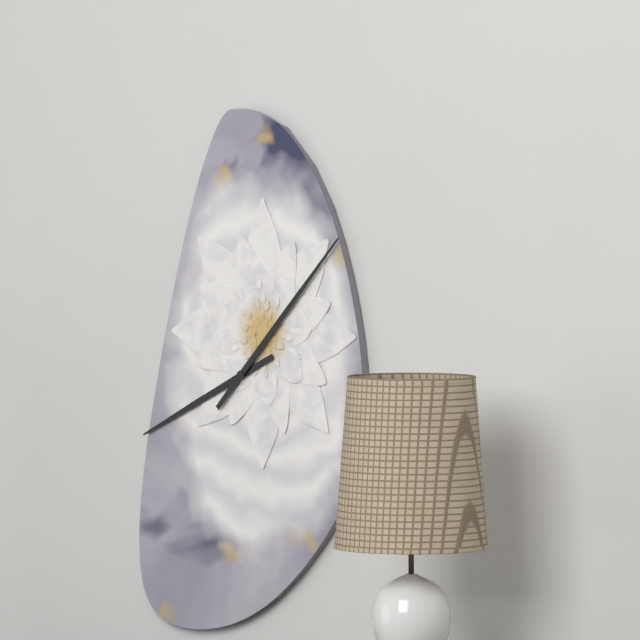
8.07
